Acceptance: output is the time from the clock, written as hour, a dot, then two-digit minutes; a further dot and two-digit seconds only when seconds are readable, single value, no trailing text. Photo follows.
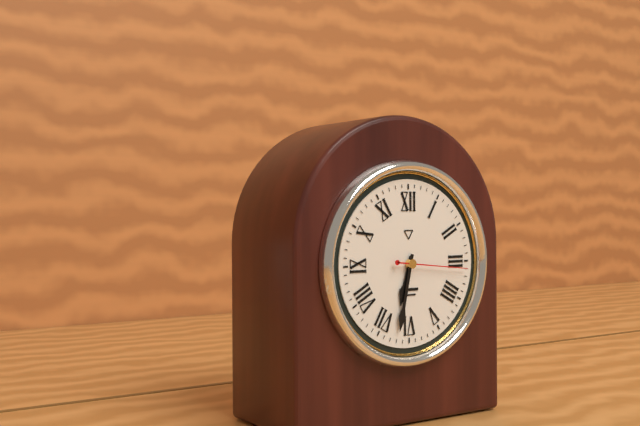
6.32.16
